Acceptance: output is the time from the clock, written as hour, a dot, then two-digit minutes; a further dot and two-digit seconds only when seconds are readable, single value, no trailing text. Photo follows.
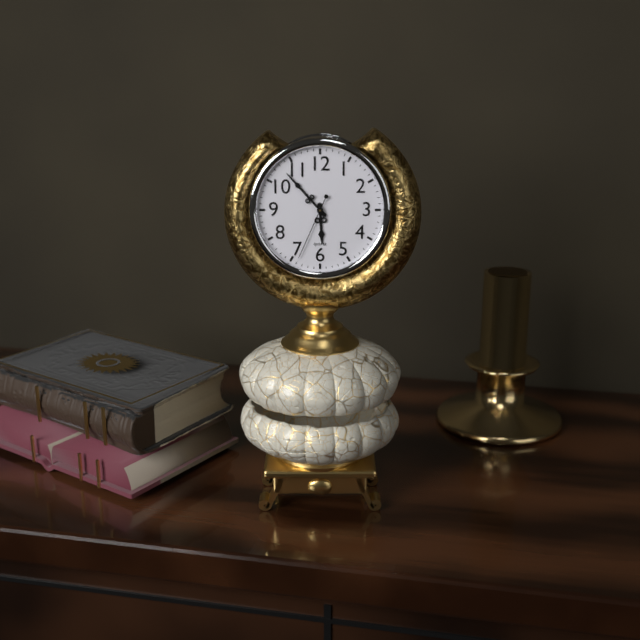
5.53.34
